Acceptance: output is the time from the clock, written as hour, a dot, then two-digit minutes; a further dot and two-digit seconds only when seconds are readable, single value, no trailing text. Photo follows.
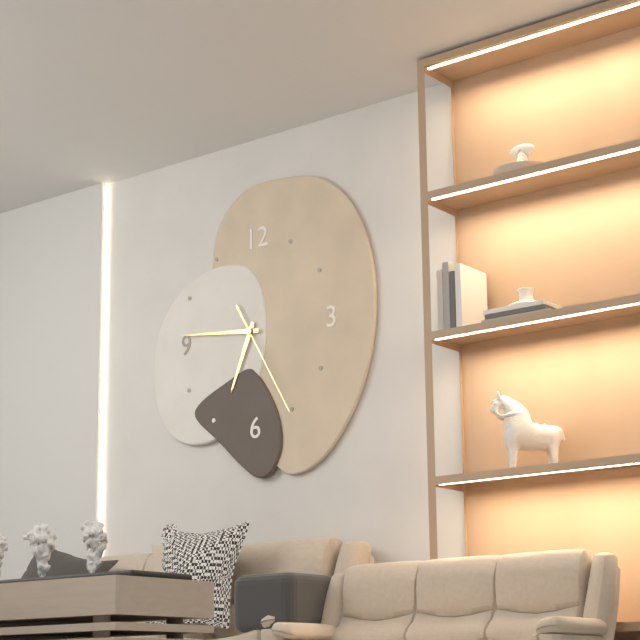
6.46.25
